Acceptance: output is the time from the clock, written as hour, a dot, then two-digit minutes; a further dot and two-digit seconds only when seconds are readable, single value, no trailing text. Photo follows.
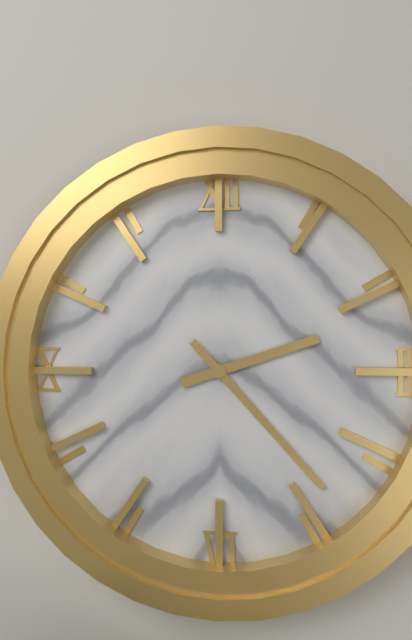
2.23
